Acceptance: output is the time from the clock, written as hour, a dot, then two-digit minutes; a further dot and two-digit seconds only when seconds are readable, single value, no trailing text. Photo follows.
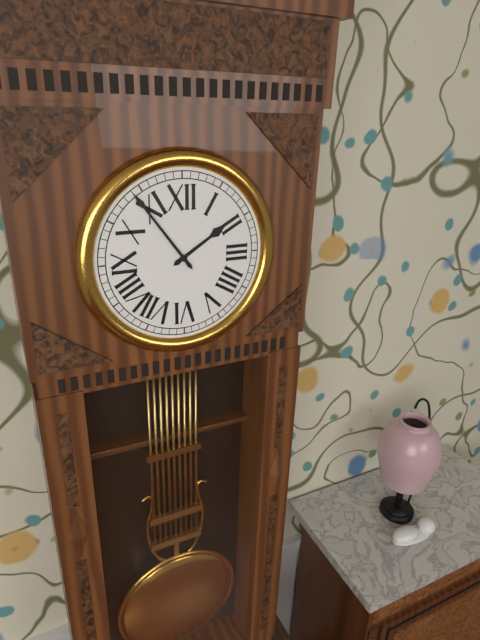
1.54
